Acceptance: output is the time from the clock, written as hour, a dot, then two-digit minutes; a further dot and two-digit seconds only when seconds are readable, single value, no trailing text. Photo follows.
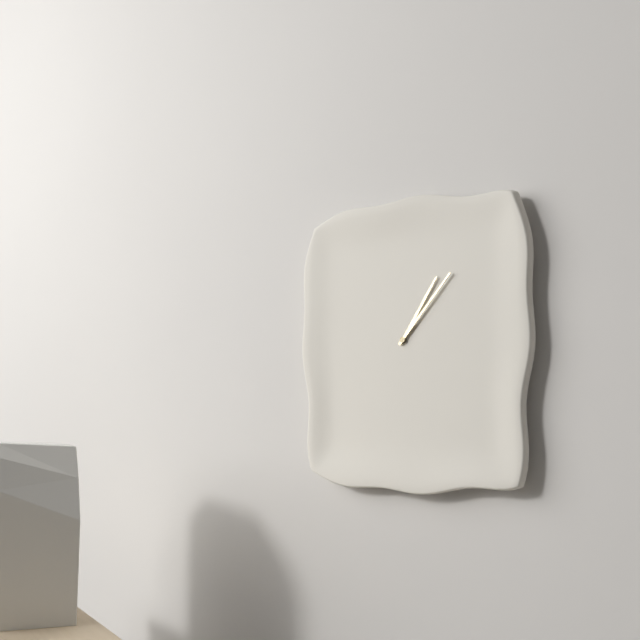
1.07
